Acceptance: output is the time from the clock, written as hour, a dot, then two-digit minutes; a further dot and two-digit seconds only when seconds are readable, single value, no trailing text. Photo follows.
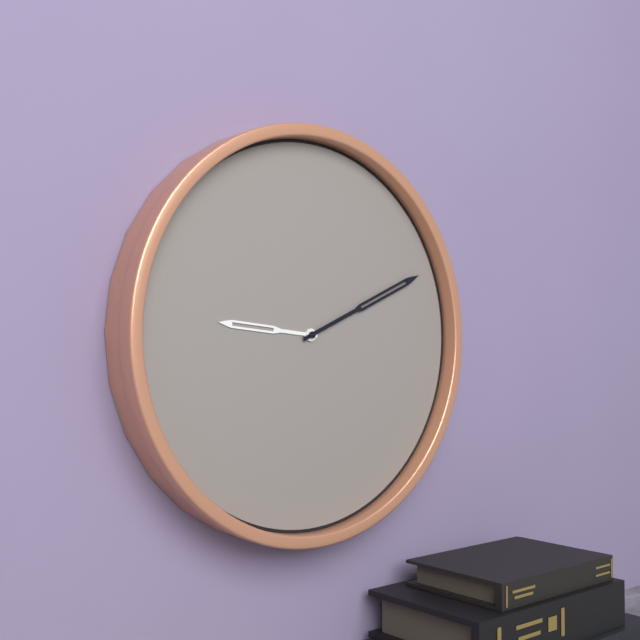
9.11
